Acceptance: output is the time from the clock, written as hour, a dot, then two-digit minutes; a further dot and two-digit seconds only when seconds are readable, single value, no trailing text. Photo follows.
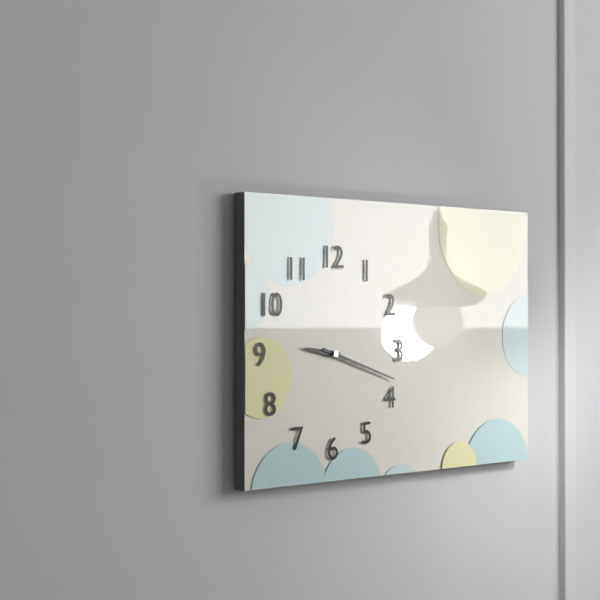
9.18
